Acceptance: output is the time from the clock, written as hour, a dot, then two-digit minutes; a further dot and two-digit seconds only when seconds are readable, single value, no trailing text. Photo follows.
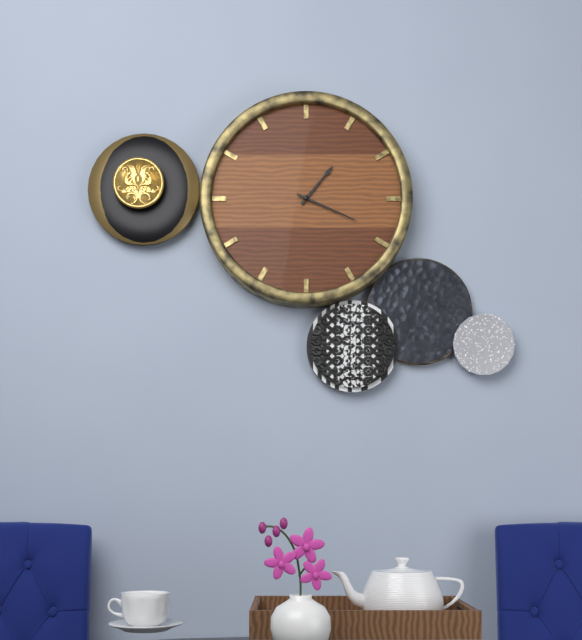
1.19
